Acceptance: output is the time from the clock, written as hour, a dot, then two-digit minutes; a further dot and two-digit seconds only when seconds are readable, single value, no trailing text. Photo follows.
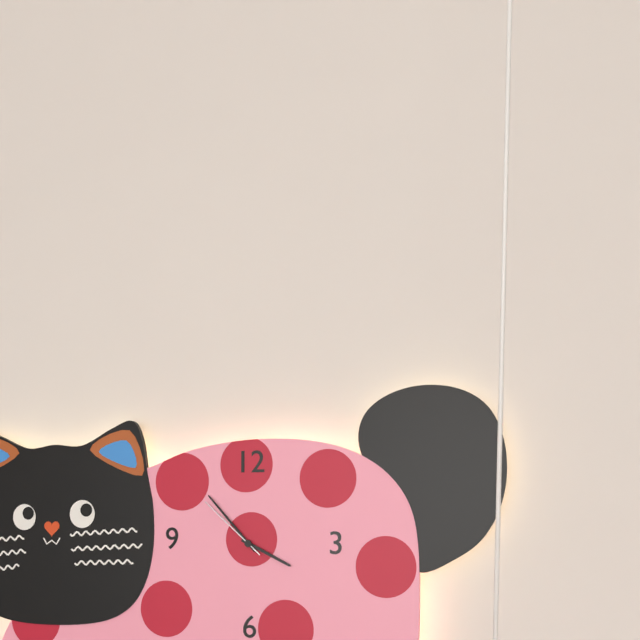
3.53.52
